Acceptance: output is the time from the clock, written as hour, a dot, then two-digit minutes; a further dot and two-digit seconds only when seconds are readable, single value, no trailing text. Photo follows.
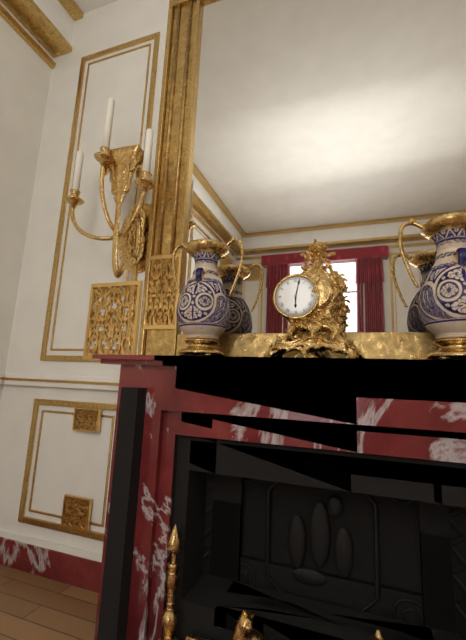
6.02
